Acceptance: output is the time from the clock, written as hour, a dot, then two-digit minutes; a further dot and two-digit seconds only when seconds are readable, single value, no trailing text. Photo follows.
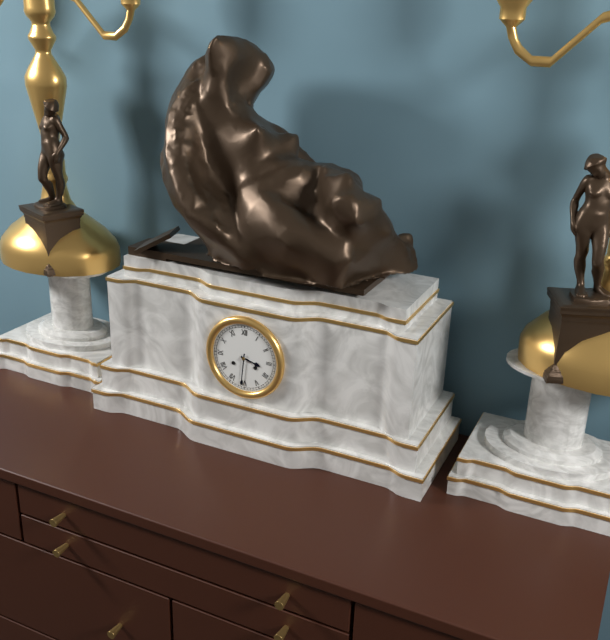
3.31
